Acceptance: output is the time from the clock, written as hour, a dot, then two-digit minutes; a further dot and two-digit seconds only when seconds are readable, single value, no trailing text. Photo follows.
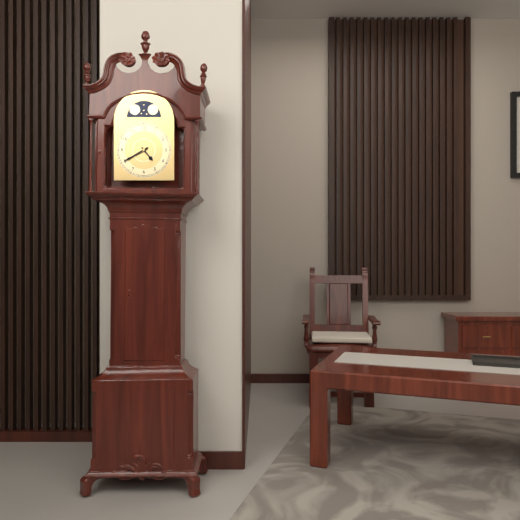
4.40
